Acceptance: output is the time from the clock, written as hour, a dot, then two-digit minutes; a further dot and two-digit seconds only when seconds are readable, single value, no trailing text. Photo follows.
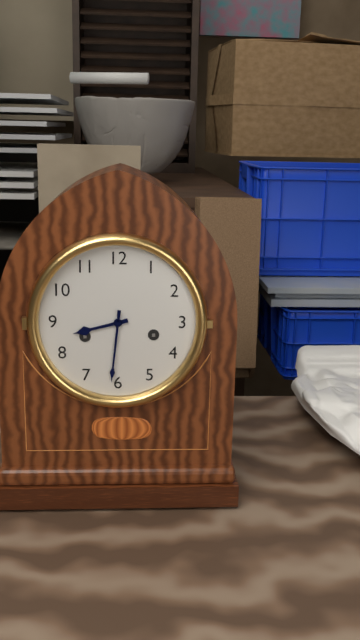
8.31
